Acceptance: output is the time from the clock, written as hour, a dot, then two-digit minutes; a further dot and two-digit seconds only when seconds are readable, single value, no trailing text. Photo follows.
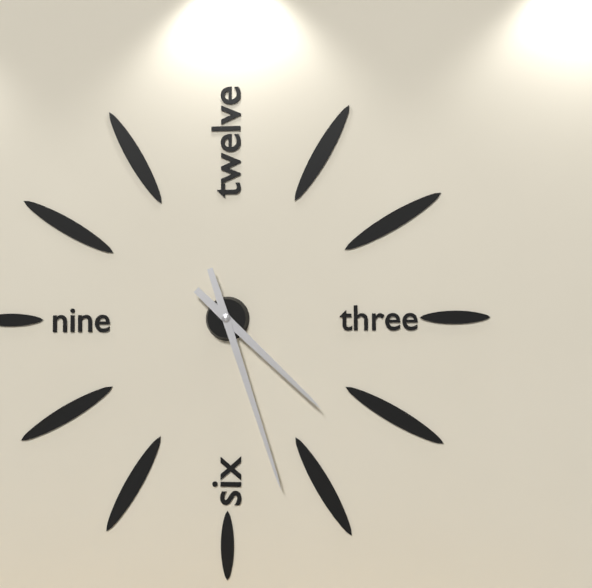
4.27
